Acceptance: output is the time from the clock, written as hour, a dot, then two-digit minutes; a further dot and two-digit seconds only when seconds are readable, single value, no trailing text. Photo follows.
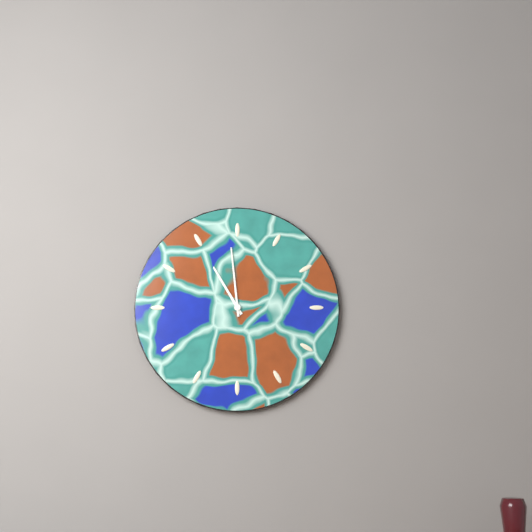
10.59
